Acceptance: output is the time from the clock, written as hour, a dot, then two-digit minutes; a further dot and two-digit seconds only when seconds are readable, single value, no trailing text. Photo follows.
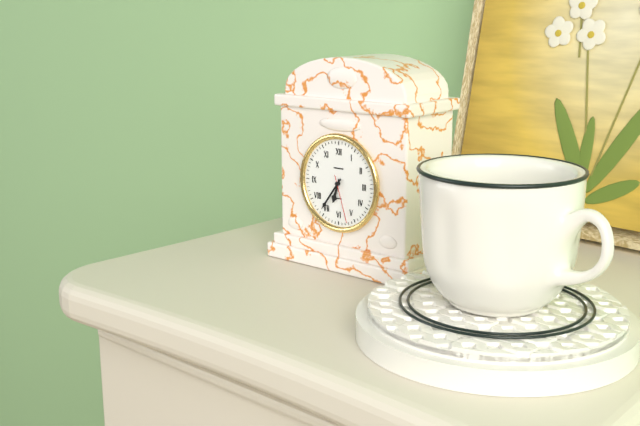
6.36.27
